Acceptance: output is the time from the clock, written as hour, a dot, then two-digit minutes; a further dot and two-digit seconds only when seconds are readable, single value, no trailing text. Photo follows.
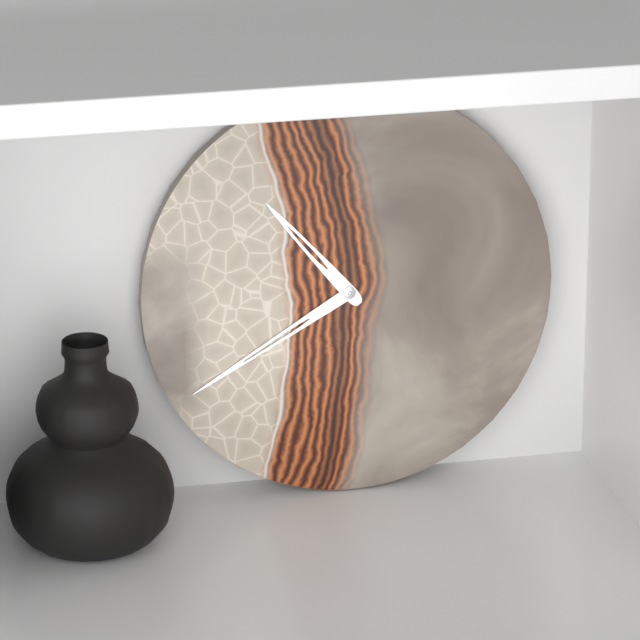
10.40
